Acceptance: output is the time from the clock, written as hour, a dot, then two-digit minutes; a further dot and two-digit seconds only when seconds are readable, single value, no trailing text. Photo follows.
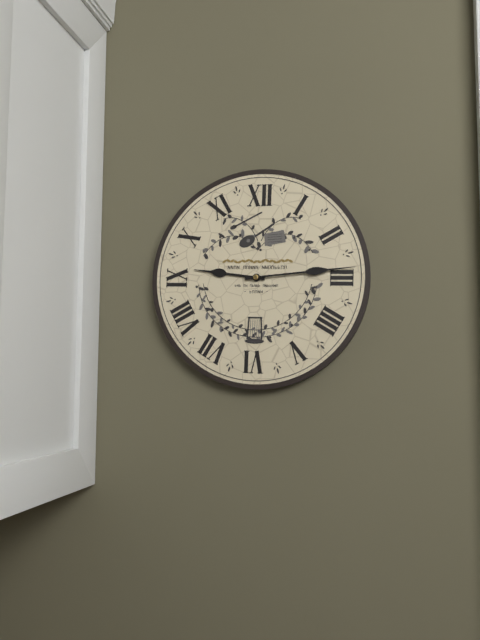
9.14
